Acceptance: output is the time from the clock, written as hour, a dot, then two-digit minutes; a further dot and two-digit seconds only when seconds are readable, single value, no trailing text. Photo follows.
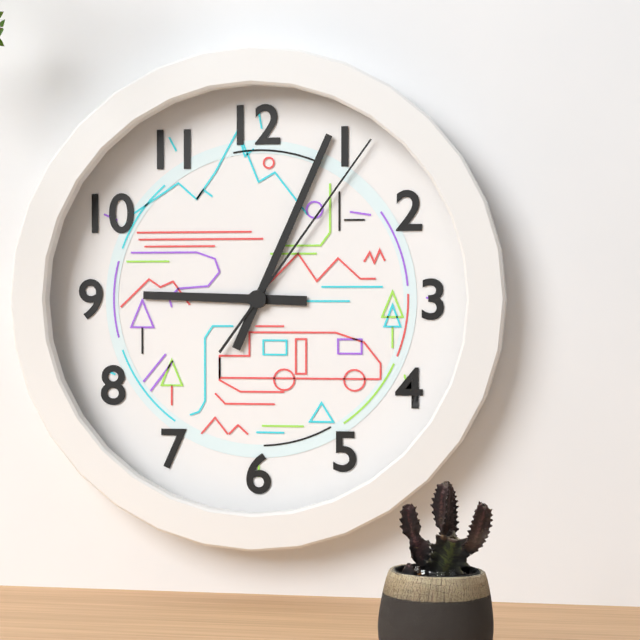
9.04.06
